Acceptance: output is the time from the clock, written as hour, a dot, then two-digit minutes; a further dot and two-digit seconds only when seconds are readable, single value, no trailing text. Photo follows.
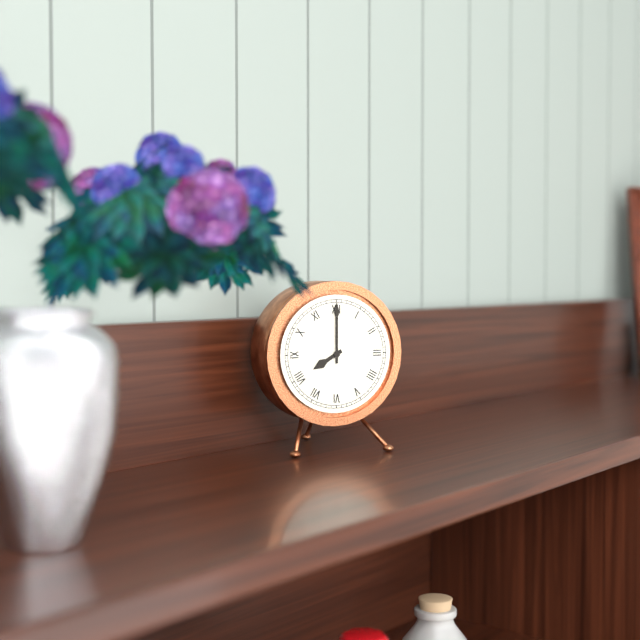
8.00
